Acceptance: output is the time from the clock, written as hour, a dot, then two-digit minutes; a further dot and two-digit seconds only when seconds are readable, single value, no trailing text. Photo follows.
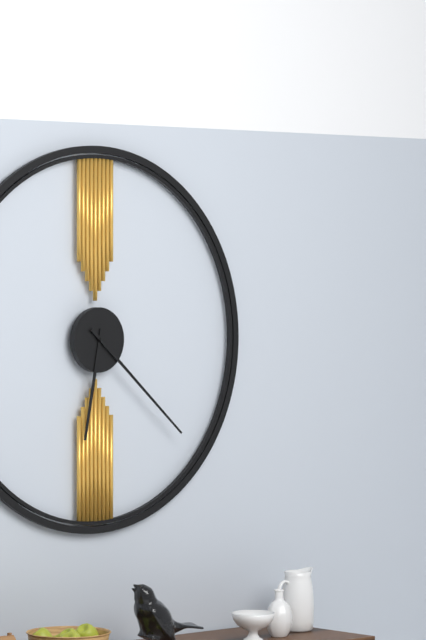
6.22
